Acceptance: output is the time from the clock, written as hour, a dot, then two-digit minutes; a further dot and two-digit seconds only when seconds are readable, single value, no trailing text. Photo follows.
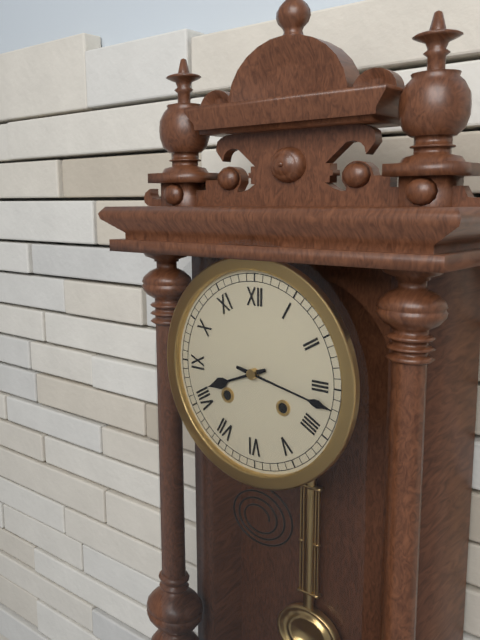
8.17
